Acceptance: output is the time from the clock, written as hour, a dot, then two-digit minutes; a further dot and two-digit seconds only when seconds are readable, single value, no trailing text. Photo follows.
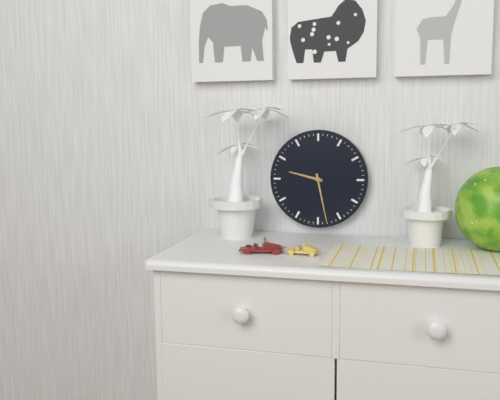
9.28
